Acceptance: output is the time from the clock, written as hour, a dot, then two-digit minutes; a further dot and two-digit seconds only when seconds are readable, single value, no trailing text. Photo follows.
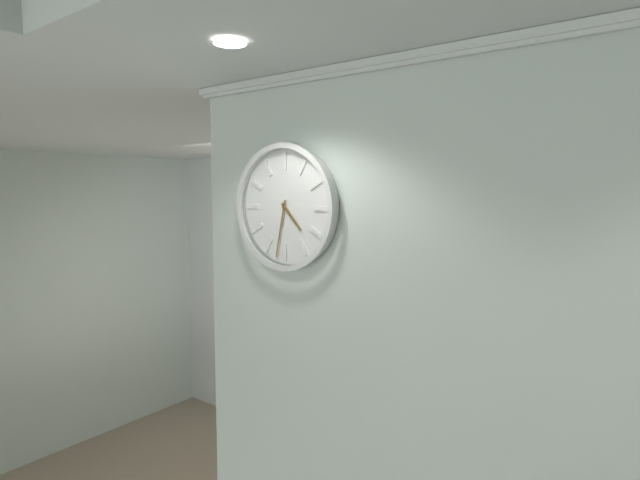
4.32
